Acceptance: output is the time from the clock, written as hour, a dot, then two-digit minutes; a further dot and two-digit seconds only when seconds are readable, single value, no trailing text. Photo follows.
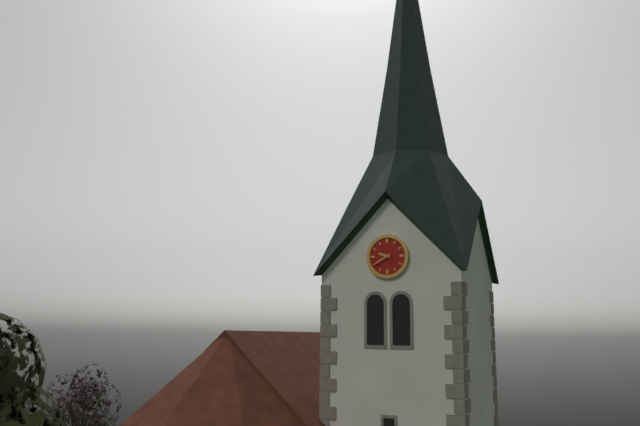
9.40
